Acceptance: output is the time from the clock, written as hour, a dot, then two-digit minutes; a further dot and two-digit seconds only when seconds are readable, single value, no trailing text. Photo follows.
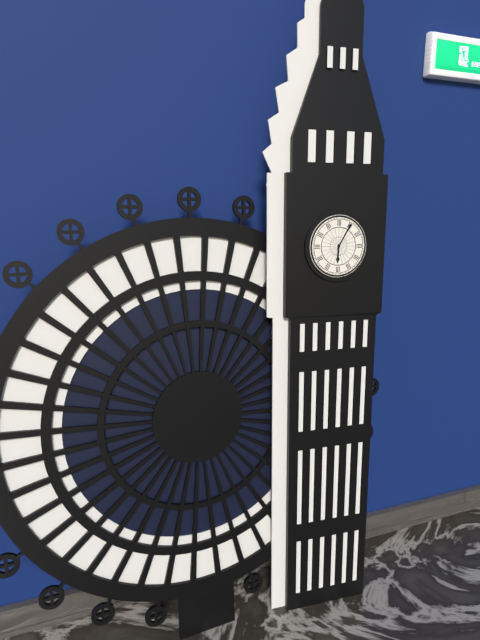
6.05
